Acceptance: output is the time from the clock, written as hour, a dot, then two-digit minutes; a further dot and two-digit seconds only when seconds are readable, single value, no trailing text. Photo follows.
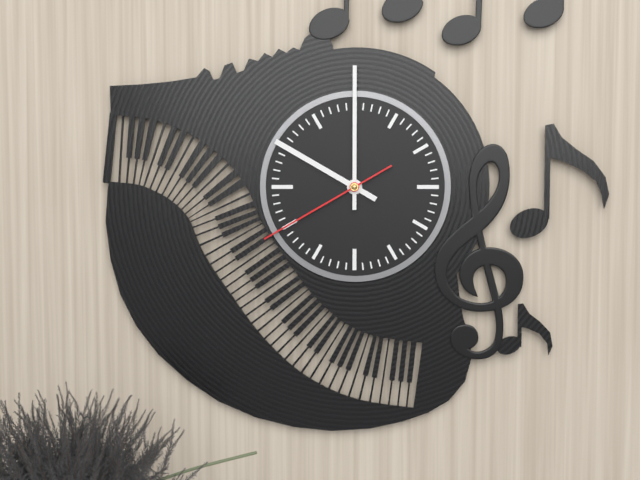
10.00.40
